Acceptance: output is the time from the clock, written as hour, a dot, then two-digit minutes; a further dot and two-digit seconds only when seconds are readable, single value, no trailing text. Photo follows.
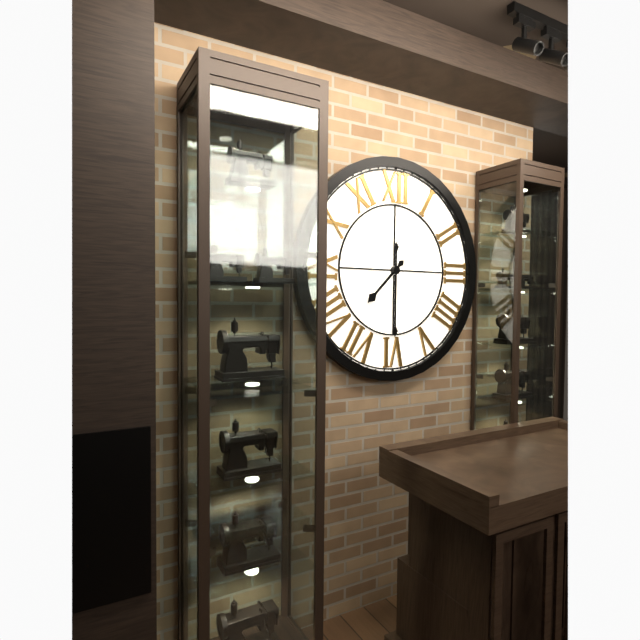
7.30
